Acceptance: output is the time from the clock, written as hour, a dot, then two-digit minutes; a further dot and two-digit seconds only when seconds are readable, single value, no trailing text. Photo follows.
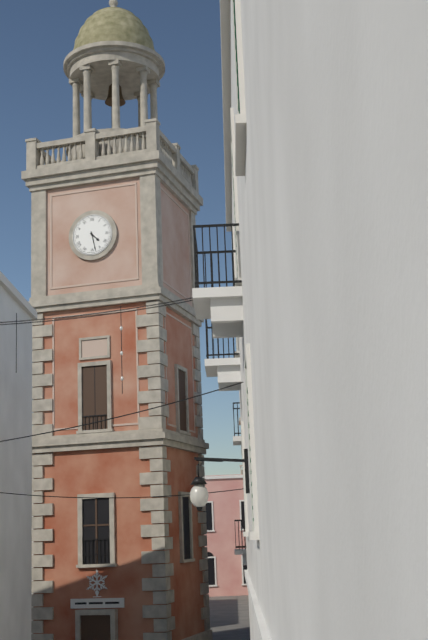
4.28
